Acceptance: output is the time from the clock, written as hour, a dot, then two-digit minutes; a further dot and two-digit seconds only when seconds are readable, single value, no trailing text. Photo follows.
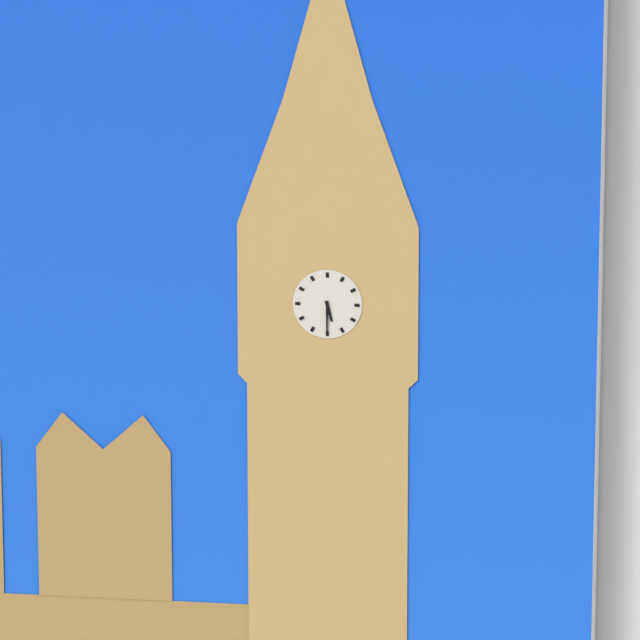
5.30
